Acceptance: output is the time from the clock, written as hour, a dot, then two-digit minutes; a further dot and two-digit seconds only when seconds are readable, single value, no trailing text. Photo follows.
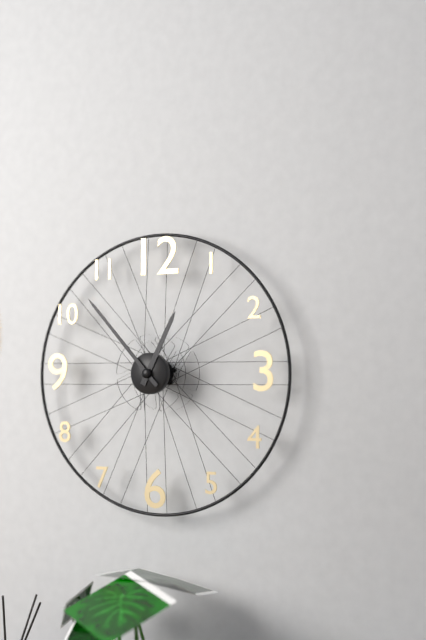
12.53
